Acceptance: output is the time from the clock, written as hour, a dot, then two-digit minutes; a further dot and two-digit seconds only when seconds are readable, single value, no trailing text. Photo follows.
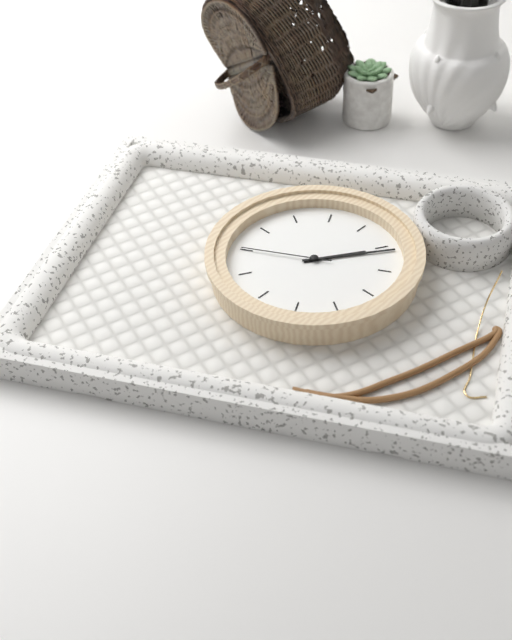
1.06.40
